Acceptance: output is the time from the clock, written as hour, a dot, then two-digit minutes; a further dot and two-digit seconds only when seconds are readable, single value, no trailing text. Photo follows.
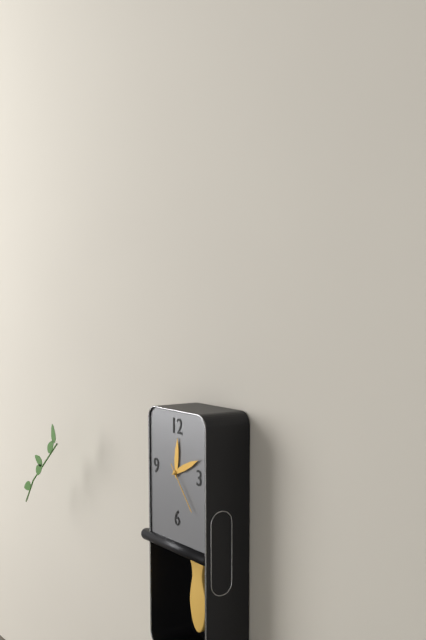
12.11.23
